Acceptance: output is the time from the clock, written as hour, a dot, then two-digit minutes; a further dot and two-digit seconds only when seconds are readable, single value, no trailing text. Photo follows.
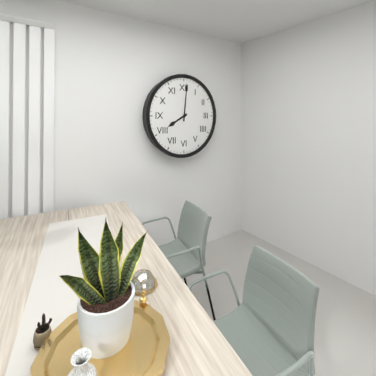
8.01
